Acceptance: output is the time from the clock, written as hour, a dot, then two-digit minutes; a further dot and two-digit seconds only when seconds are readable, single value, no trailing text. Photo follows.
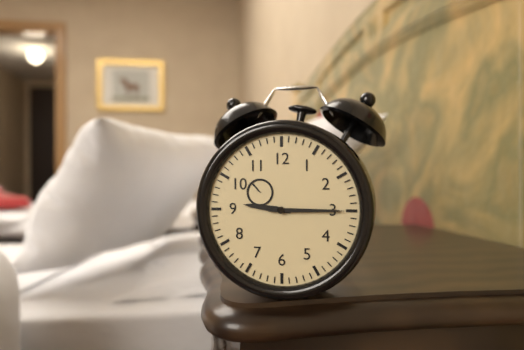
9.15
